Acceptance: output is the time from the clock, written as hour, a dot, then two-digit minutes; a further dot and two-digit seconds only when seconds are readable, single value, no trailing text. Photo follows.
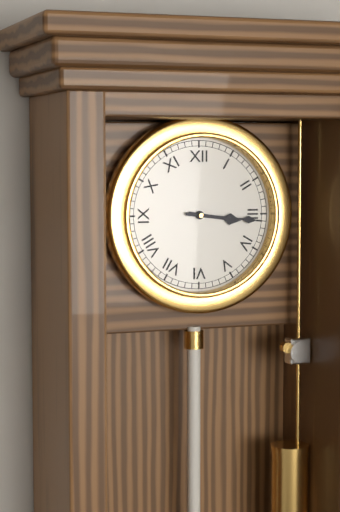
3.16
